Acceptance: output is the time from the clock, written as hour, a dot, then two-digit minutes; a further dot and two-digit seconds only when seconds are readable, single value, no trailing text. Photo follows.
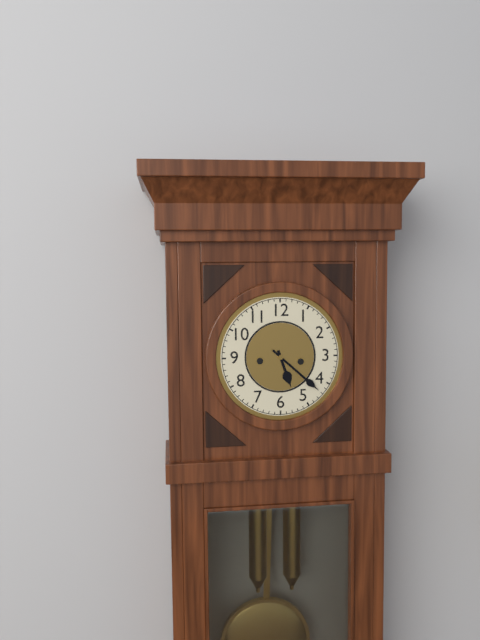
5.22
